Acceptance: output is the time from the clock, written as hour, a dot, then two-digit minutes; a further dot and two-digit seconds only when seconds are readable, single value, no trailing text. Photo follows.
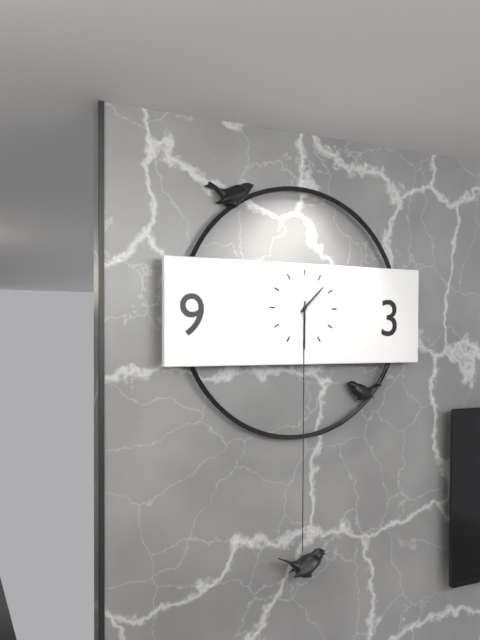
1.30
